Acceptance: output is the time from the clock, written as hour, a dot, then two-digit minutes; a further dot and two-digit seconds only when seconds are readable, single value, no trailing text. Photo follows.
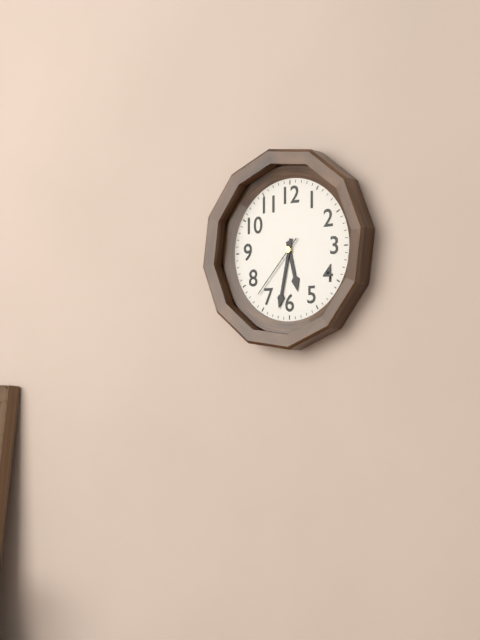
5.32.37
